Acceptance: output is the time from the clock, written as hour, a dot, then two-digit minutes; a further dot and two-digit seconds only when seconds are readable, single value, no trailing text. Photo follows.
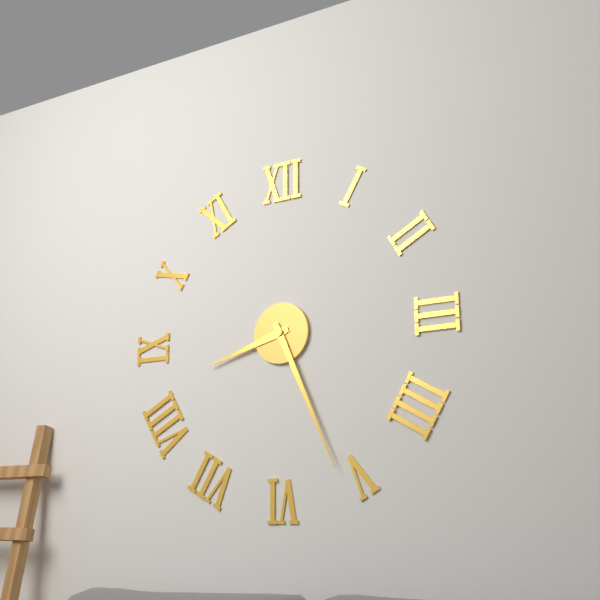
8.26
